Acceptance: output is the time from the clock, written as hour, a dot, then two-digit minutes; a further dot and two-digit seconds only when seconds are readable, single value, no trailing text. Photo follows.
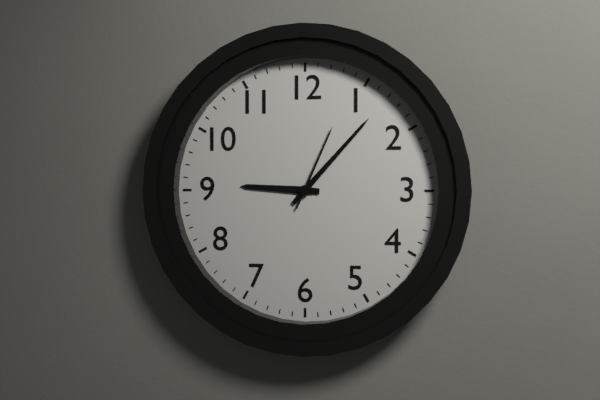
9.07.04
